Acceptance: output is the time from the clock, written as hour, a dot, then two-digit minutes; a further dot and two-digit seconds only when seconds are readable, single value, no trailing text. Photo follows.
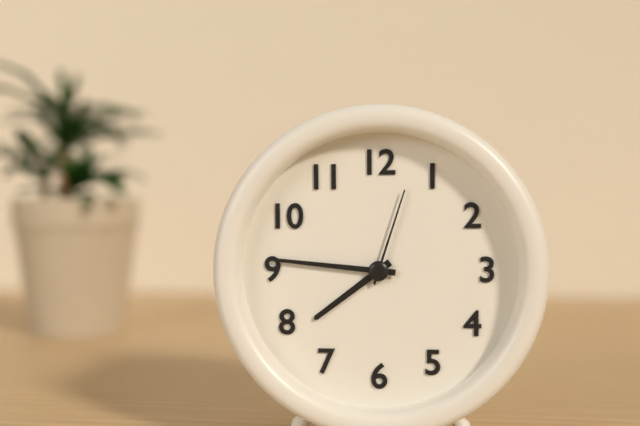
7.46.03
